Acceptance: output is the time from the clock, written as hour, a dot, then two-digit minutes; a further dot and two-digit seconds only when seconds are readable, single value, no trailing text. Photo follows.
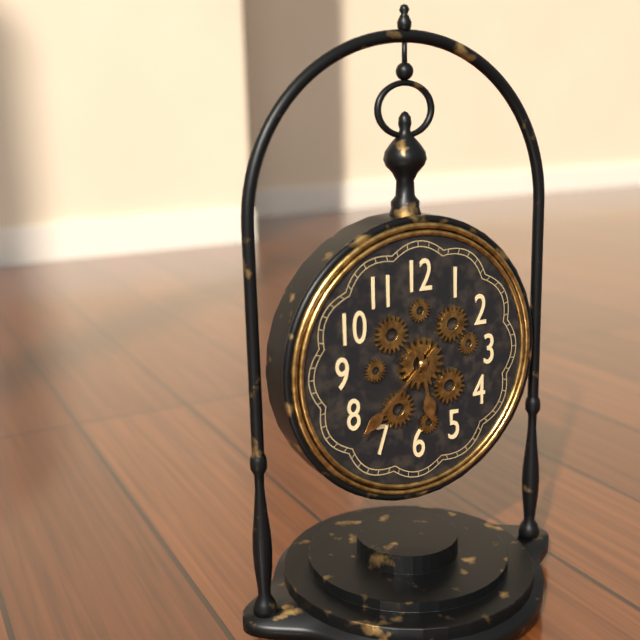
5.38
